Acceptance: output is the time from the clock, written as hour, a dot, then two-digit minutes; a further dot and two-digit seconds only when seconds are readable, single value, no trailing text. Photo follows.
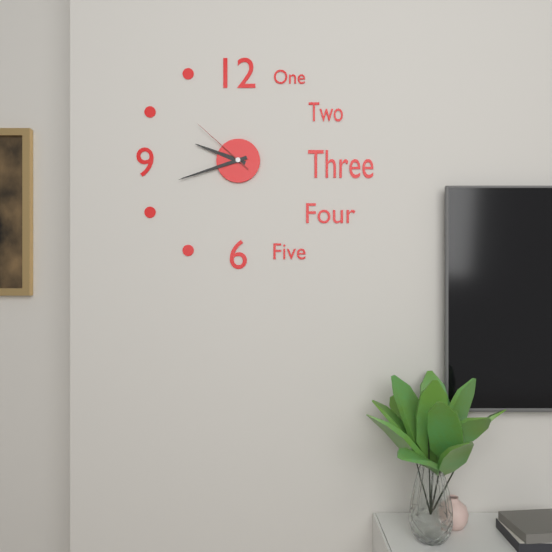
9.42.52
